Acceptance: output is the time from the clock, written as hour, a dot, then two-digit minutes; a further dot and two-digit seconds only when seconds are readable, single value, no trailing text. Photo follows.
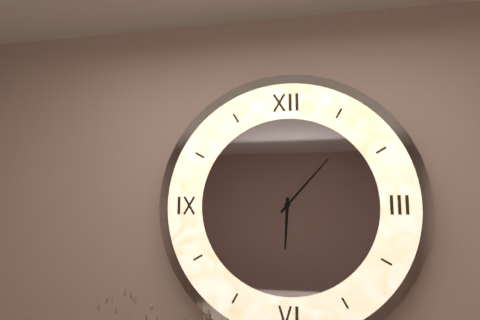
6.07
